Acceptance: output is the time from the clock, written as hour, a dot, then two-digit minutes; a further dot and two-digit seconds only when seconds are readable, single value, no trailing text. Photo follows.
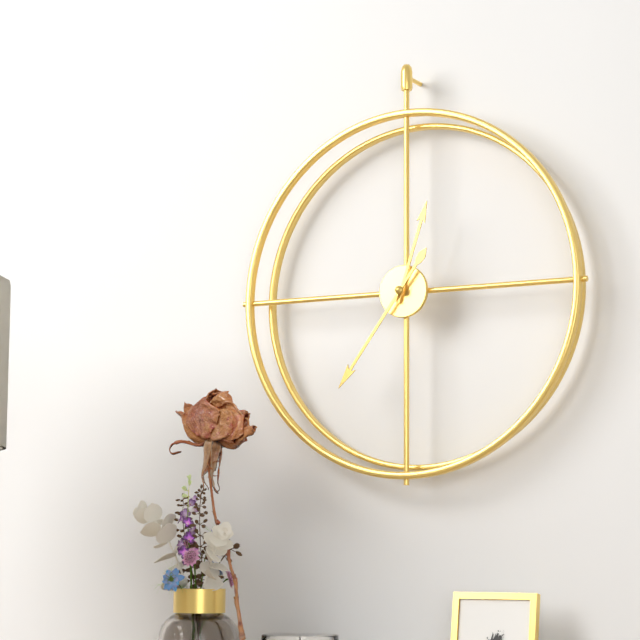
12.36
